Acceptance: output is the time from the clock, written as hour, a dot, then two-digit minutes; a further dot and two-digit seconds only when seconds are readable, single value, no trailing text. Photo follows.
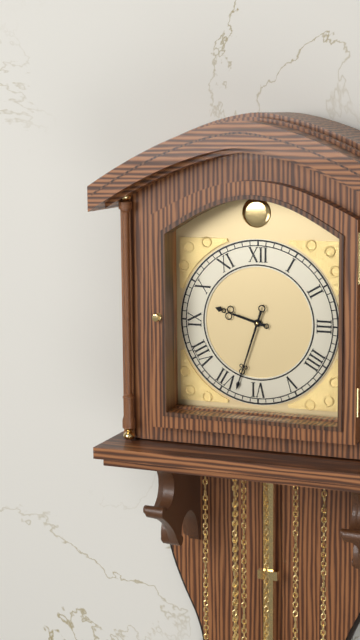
9.33
